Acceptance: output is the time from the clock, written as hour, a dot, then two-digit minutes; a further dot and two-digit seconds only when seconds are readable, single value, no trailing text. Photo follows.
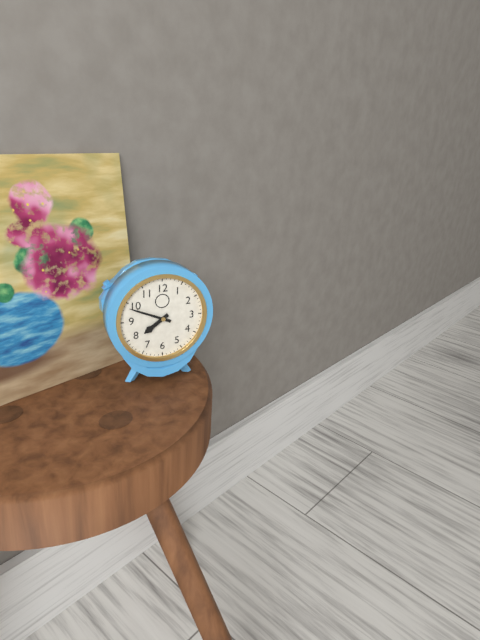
7.49
